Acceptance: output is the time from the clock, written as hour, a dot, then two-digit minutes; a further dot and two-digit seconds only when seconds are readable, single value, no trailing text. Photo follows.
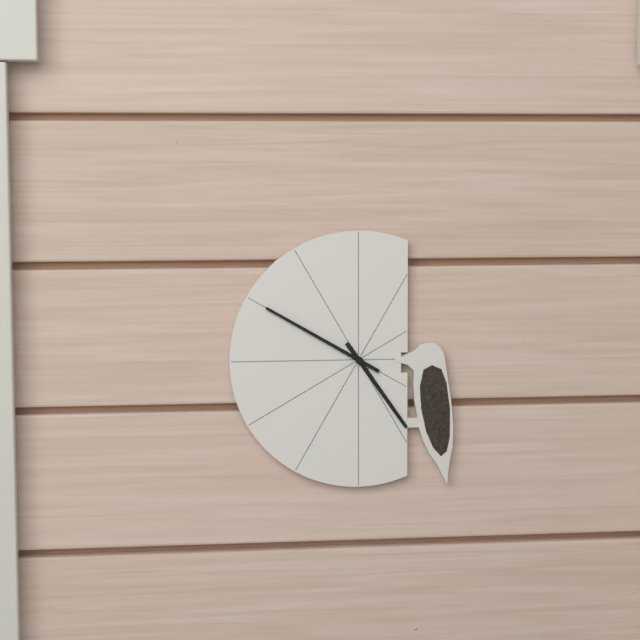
4.50
